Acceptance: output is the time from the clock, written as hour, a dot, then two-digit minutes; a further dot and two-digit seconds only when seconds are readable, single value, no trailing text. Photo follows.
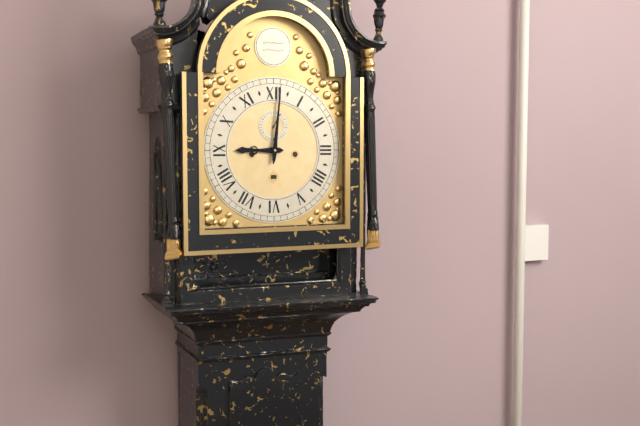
9.01
